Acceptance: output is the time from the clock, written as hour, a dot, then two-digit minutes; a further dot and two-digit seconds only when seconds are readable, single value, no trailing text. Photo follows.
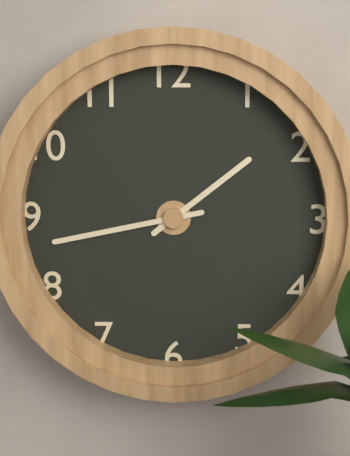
1.43
